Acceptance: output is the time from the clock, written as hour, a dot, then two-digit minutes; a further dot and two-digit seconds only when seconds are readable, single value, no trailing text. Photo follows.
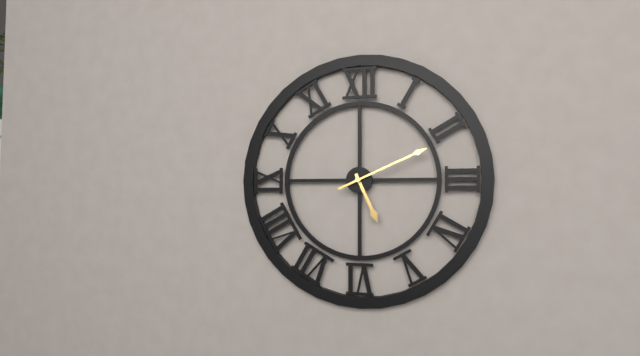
5.11
